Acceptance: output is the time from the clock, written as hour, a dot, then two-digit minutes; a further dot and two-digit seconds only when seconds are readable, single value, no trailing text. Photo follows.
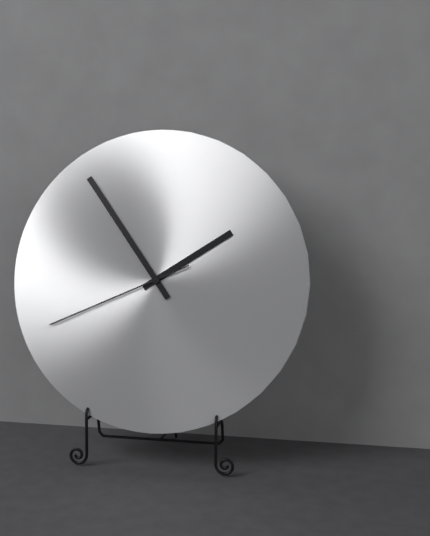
1.54.41
